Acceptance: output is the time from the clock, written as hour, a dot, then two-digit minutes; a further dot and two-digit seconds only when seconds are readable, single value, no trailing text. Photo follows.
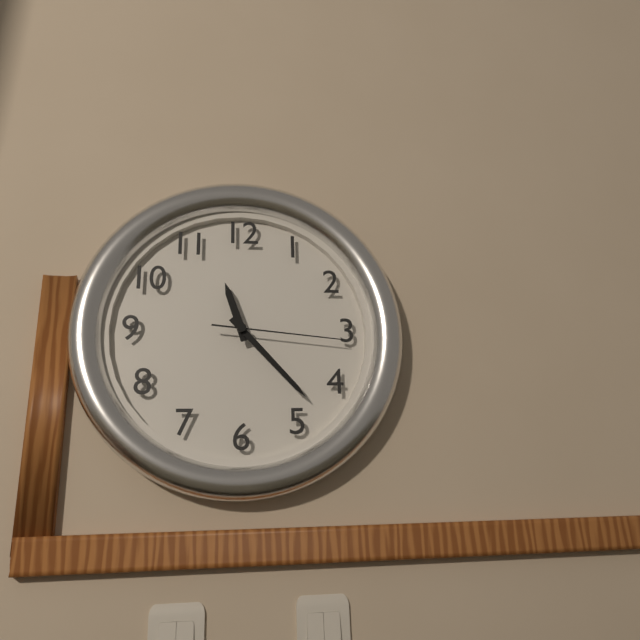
11.23.16
